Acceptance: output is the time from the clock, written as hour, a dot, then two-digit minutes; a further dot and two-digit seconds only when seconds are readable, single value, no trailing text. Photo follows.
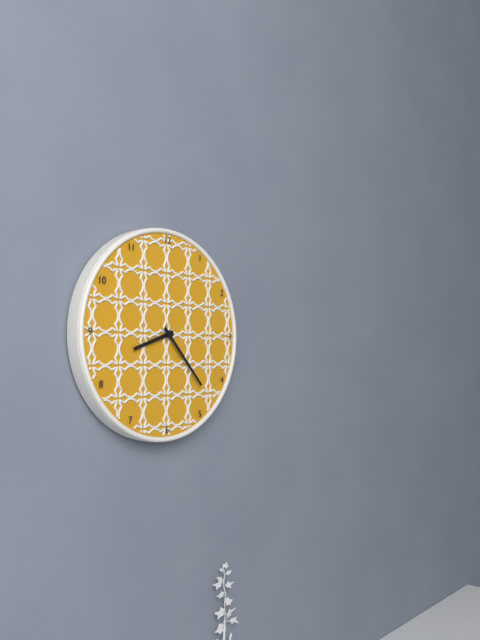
8.23
